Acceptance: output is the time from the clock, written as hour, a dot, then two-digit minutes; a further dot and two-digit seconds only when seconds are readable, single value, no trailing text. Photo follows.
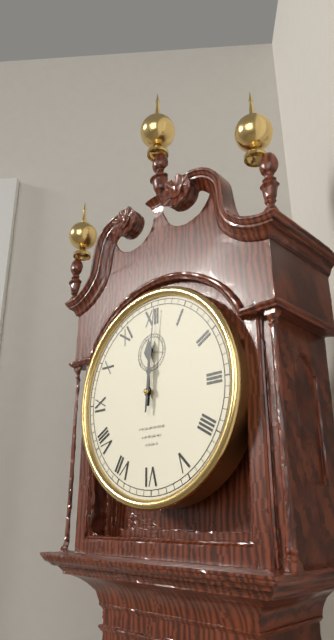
12.01
